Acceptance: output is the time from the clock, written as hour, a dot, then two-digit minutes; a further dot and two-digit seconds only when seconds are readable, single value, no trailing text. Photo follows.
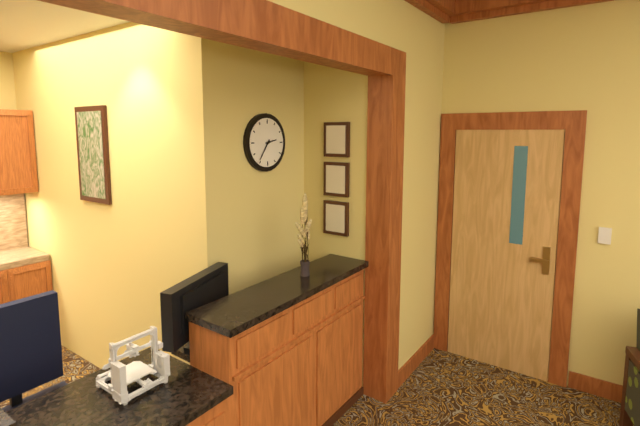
2.36
